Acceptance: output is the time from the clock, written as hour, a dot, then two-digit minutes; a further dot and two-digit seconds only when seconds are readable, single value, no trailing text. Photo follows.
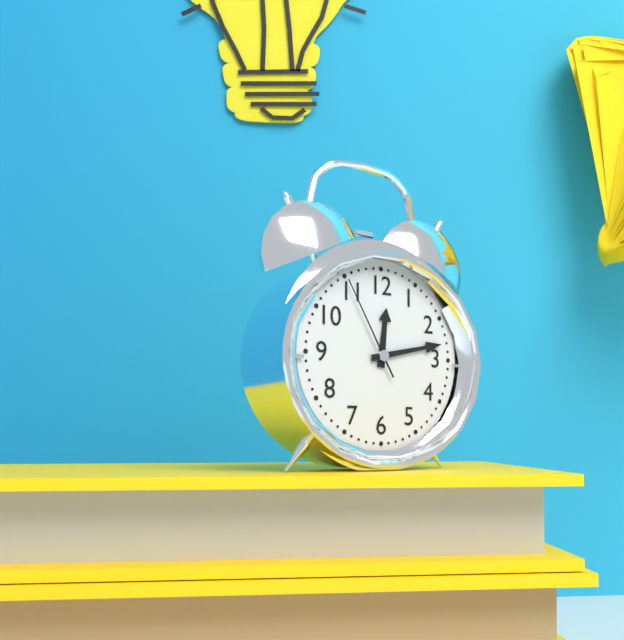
12.13.55
